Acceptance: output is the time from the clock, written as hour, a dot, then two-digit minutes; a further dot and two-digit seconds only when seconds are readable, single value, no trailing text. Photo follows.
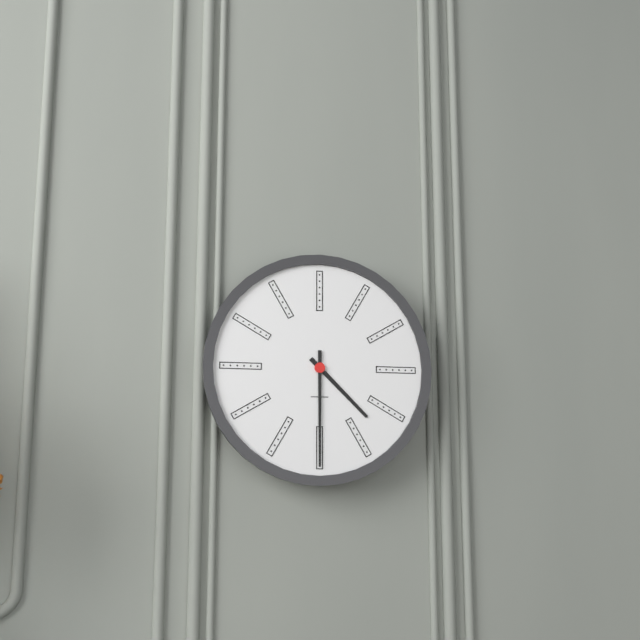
4.30
